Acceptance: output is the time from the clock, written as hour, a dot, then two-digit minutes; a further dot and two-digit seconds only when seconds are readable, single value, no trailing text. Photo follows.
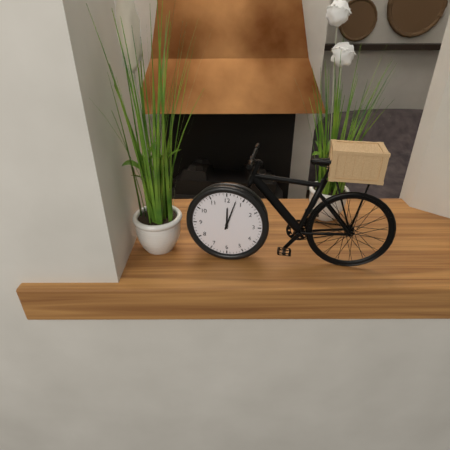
12.03
